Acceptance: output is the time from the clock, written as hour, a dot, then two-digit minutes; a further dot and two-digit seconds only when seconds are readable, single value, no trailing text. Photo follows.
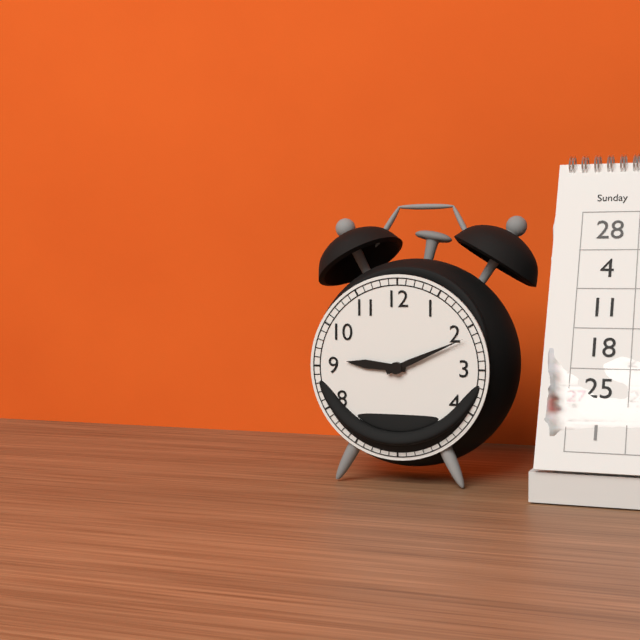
9.11
